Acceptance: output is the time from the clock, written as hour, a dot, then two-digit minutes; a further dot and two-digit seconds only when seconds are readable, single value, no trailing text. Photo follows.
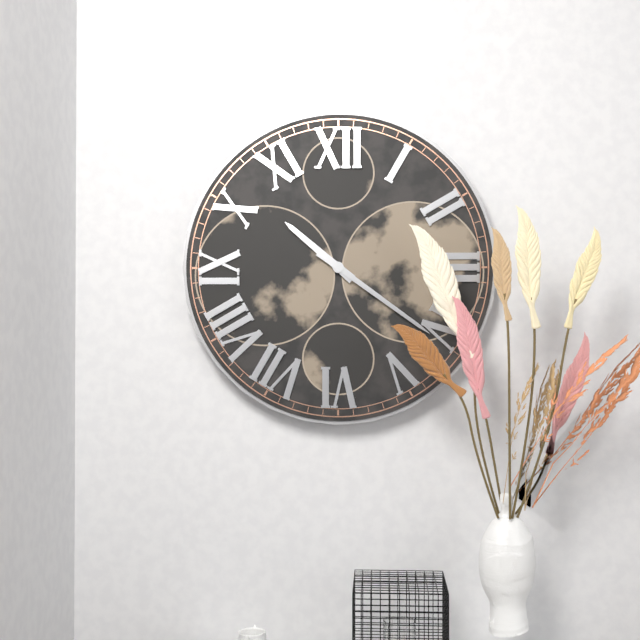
10.21
